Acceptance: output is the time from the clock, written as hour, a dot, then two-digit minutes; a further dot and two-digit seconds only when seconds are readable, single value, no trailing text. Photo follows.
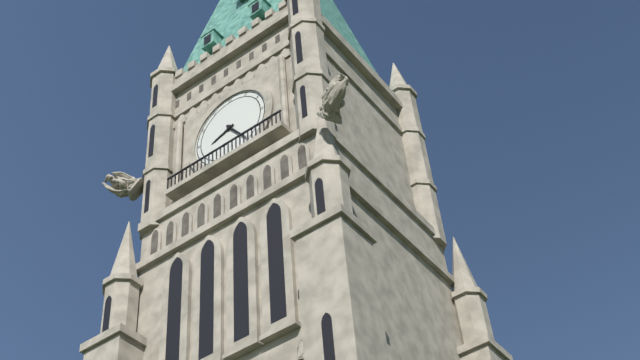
8.24
